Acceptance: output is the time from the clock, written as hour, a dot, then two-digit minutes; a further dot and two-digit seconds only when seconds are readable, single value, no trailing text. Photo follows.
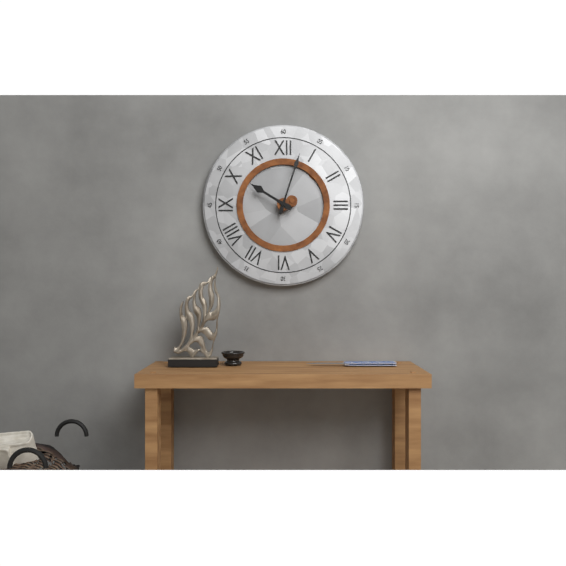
10.03
